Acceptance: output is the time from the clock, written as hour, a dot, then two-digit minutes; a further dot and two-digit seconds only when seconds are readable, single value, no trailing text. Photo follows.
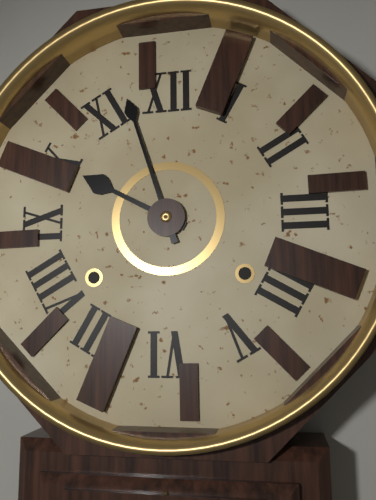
9.57
